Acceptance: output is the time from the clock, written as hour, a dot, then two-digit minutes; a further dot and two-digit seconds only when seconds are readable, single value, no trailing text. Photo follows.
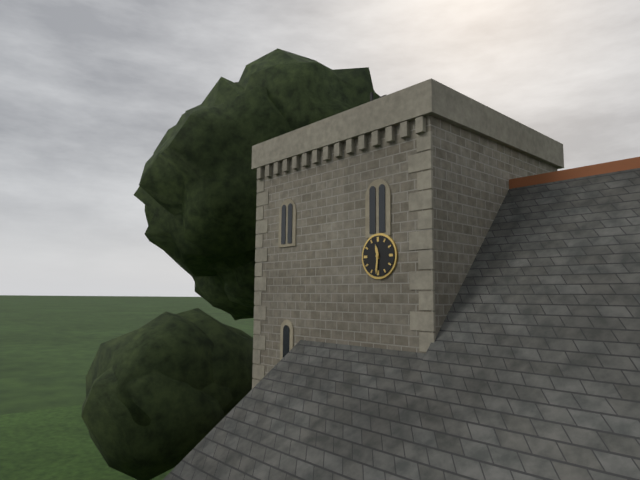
11.31
